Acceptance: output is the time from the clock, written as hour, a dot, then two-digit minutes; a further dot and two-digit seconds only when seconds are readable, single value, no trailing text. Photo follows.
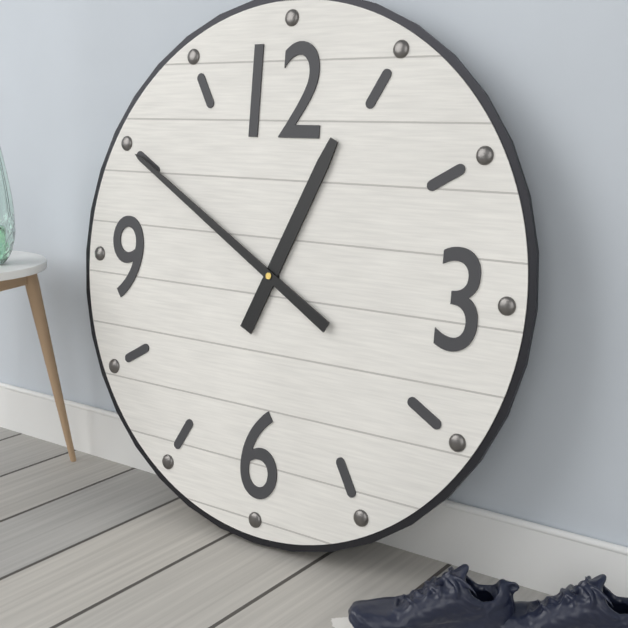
12.50
